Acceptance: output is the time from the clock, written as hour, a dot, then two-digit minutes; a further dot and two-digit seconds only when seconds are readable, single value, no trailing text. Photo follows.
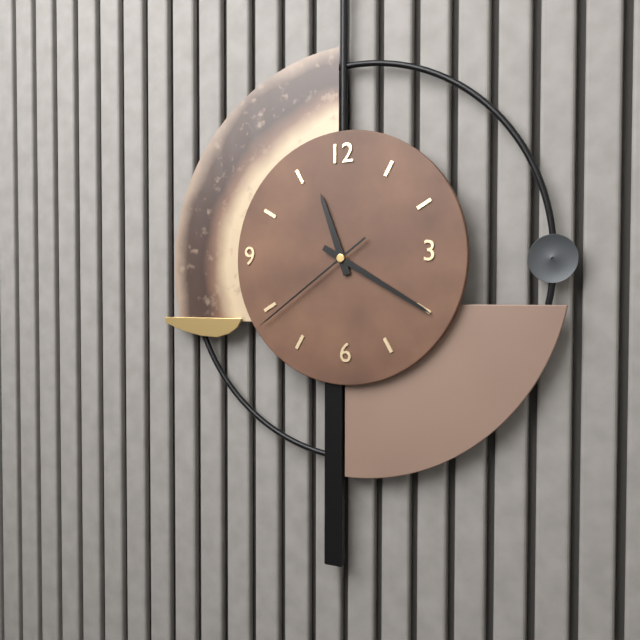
11.20.39
